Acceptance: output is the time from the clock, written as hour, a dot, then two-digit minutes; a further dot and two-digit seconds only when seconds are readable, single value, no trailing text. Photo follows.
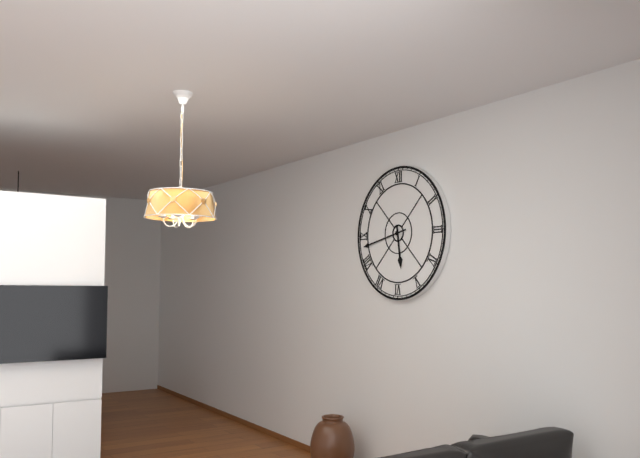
5.43
